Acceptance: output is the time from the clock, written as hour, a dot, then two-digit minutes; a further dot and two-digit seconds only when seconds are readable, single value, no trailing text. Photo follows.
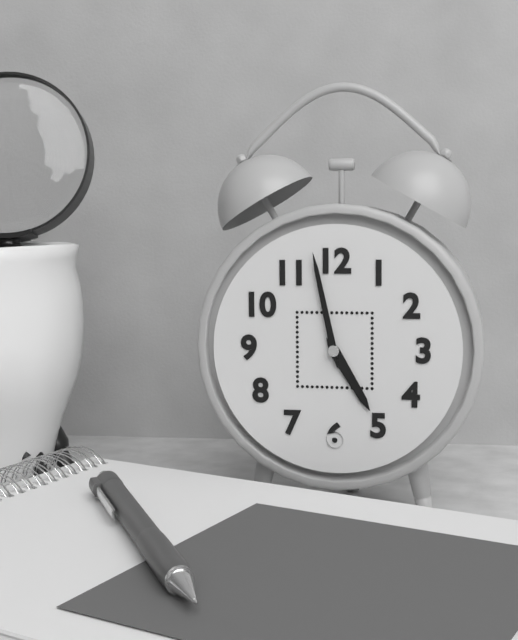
4.58
